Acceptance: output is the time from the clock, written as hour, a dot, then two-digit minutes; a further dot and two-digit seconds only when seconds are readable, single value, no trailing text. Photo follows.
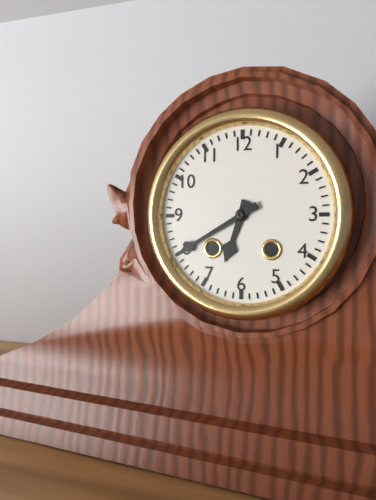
6.40
